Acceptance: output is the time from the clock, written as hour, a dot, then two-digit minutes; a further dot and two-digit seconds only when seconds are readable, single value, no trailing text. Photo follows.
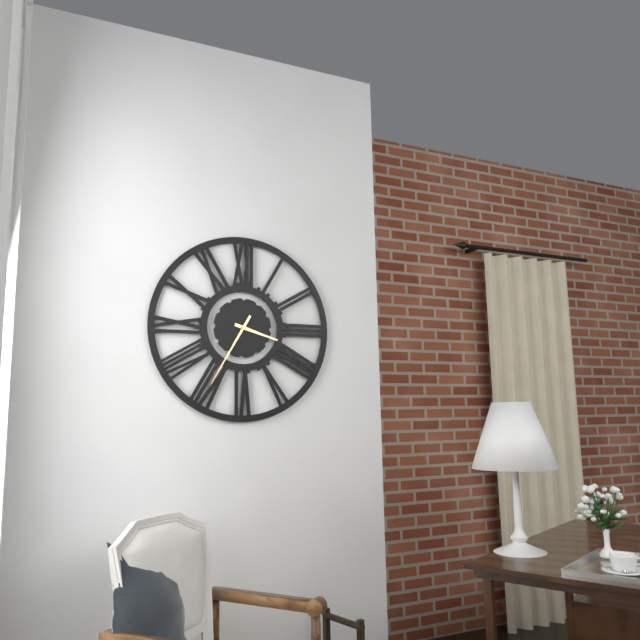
3.35
